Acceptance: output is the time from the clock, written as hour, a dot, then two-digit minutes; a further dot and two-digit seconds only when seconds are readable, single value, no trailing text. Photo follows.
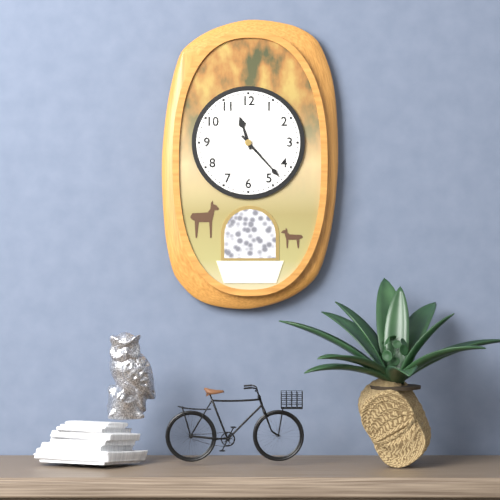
11.23
